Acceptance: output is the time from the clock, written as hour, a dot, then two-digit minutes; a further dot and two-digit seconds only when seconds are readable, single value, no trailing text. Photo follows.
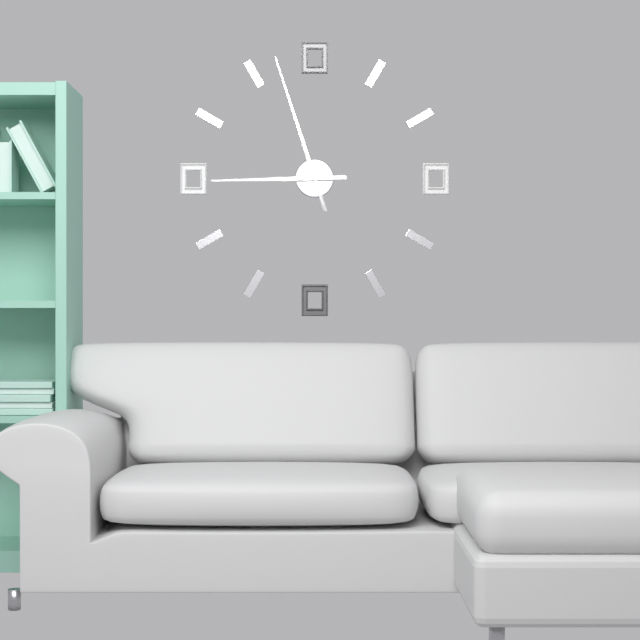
8.57
